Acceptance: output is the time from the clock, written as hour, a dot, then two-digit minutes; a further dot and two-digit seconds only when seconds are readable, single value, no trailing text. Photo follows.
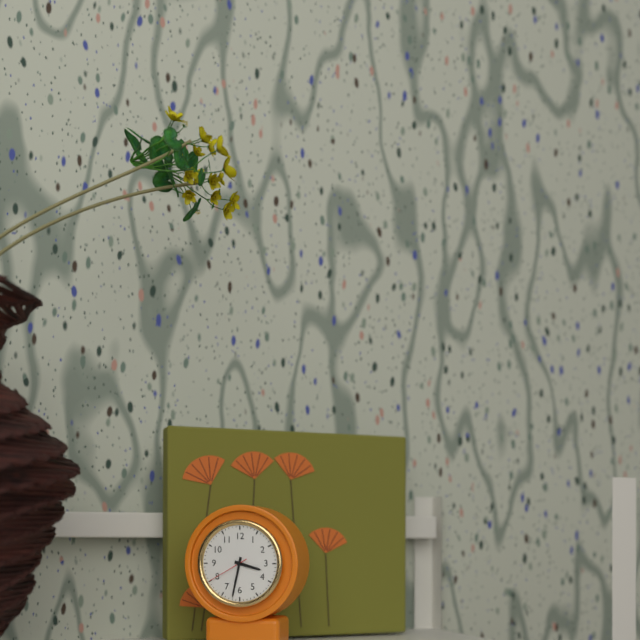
3.32
